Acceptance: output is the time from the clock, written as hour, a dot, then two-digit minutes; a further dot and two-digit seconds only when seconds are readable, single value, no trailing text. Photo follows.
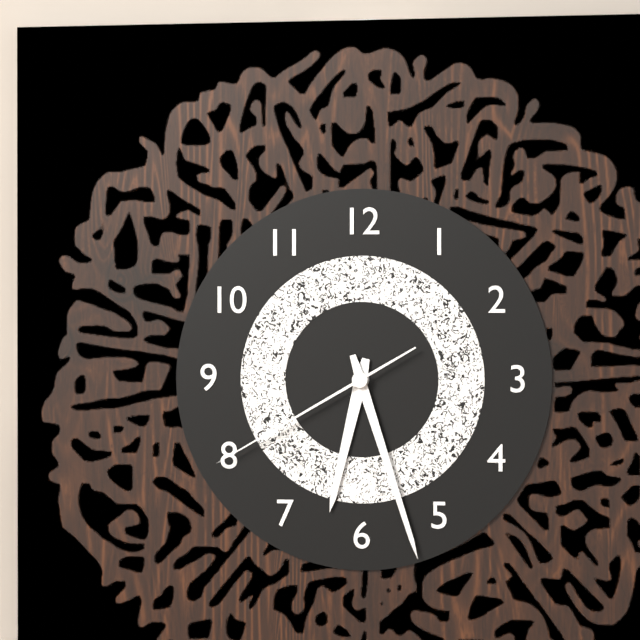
6.27.40
